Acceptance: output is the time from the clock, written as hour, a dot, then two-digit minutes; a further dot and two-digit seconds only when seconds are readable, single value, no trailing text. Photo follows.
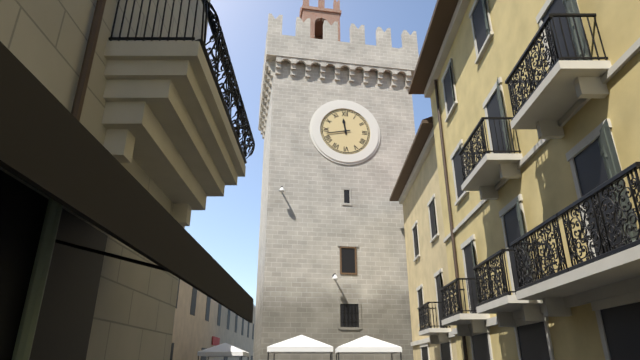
11.43
